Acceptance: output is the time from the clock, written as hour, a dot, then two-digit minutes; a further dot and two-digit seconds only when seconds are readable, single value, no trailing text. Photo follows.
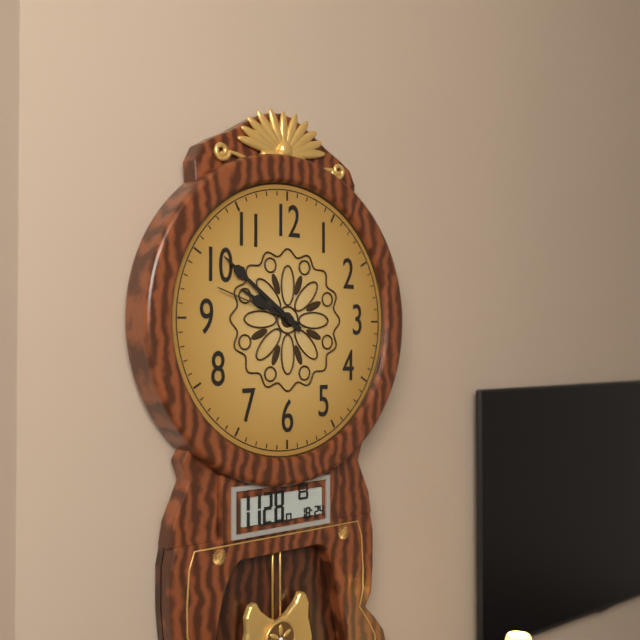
9.51.48
